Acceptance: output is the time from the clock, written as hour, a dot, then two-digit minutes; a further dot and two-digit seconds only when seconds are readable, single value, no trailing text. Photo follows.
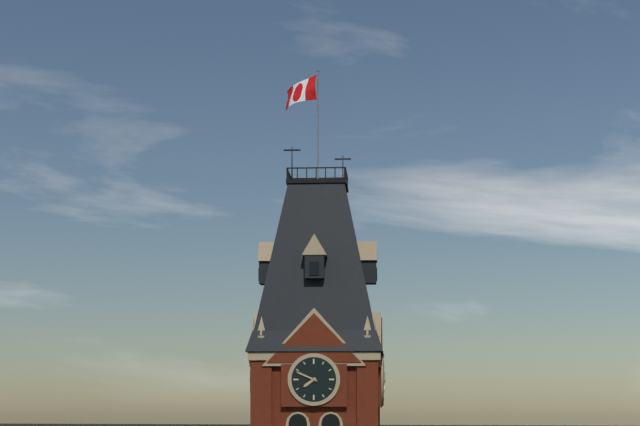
7.49
